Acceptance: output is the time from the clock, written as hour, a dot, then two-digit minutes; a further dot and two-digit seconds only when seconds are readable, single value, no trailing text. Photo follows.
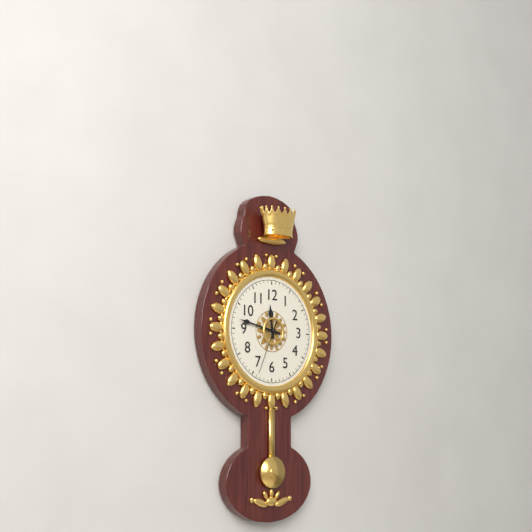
11.47.34
